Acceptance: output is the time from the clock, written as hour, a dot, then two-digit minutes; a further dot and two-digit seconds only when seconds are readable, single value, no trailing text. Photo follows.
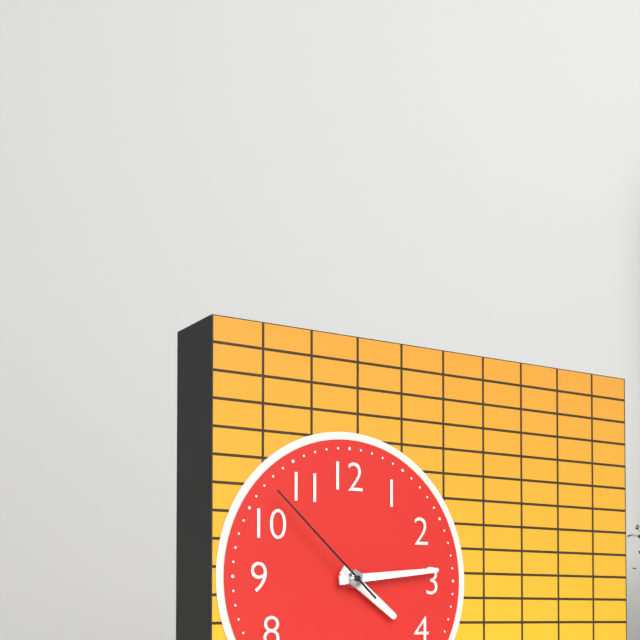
4.14.52
